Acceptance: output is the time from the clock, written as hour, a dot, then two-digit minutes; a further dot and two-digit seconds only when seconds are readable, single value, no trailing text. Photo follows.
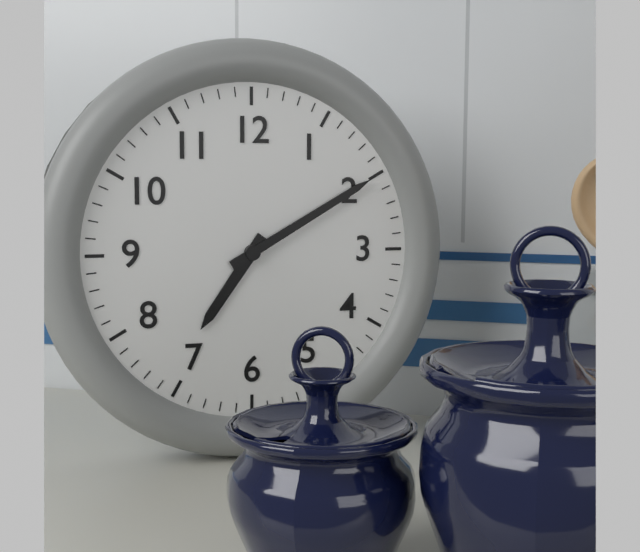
7.10
